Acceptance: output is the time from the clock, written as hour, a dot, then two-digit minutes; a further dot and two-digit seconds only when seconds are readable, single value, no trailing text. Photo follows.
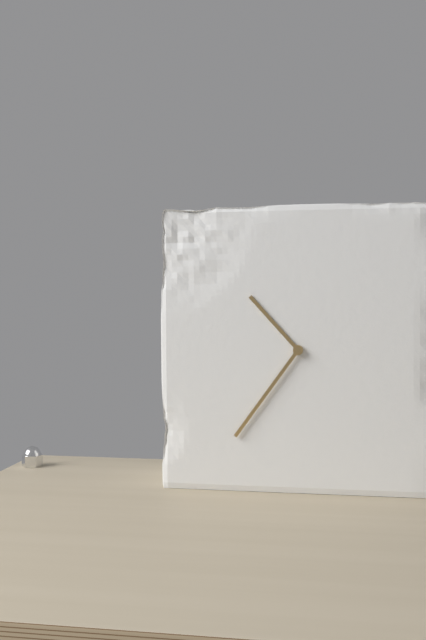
10.36
